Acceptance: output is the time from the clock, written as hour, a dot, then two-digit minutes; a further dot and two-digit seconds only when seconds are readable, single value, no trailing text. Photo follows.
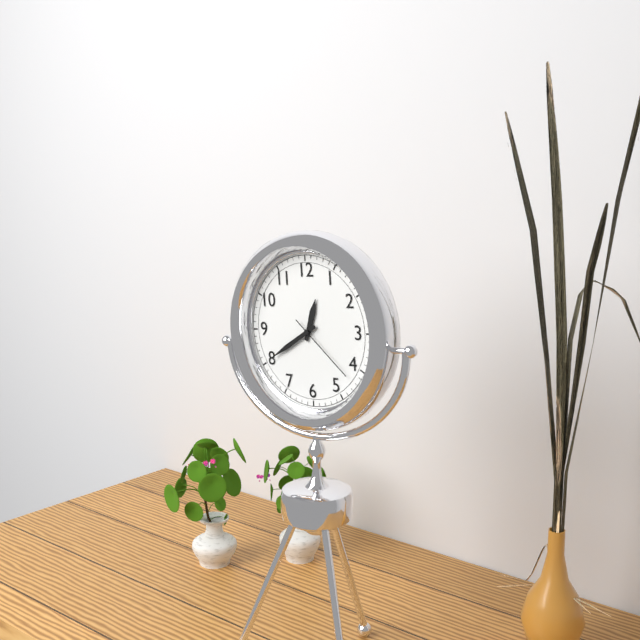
12.40.22
